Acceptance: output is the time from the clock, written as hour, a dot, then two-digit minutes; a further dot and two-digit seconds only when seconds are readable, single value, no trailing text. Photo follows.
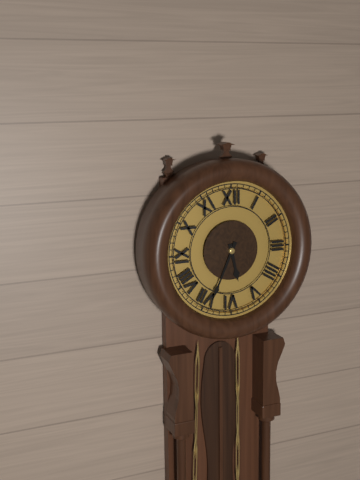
5.34
